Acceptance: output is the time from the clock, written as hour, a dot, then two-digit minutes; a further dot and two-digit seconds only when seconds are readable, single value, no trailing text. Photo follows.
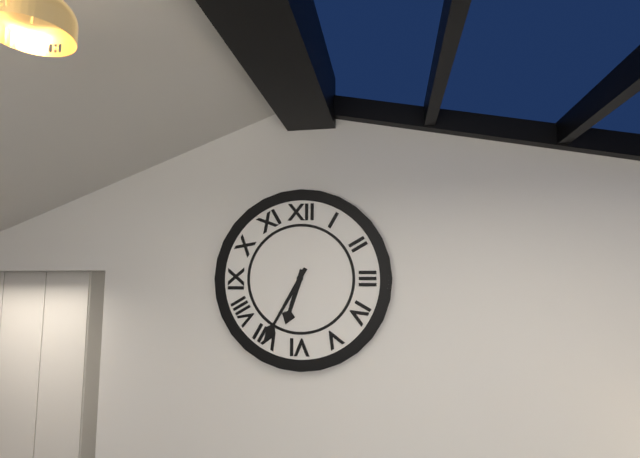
6.35
